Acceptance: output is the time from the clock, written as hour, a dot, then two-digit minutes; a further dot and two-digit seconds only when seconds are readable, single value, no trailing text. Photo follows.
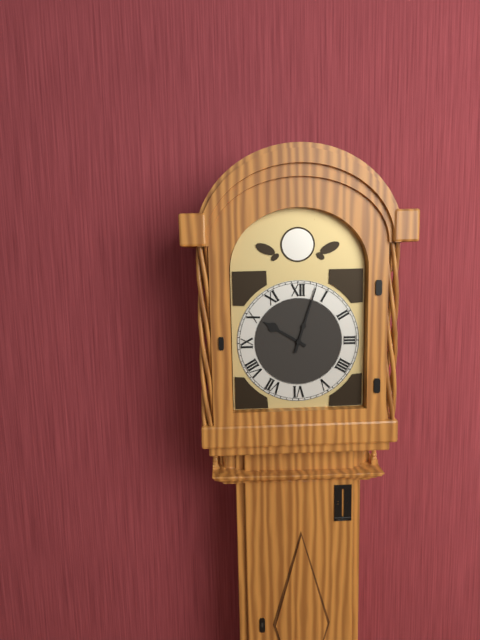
10.03
